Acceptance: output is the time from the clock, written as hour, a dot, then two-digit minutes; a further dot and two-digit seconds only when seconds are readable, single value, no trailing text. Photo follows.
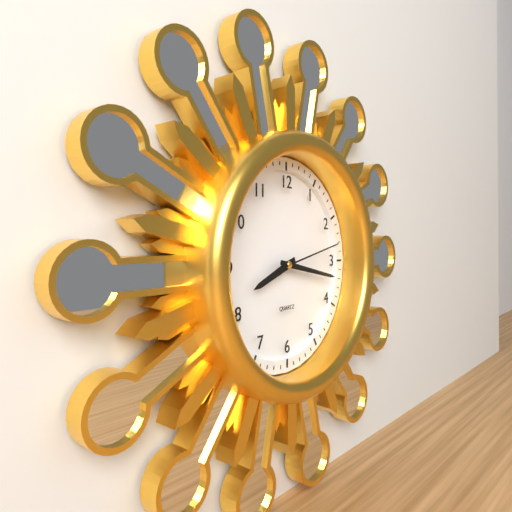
8.17.13
